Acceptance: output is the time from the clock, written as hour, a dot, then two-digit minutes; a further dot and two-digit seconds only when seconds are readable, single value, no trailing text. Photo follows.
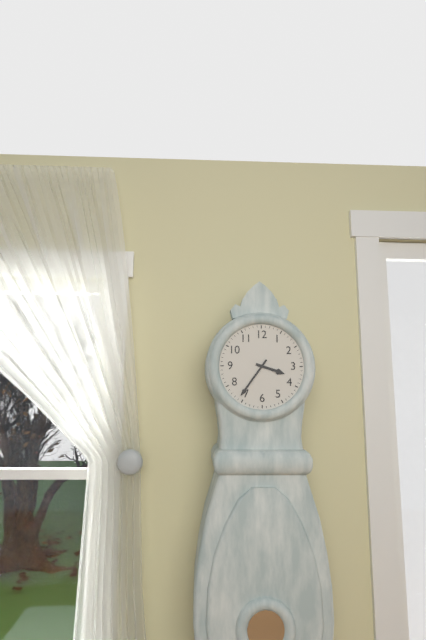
3.36
